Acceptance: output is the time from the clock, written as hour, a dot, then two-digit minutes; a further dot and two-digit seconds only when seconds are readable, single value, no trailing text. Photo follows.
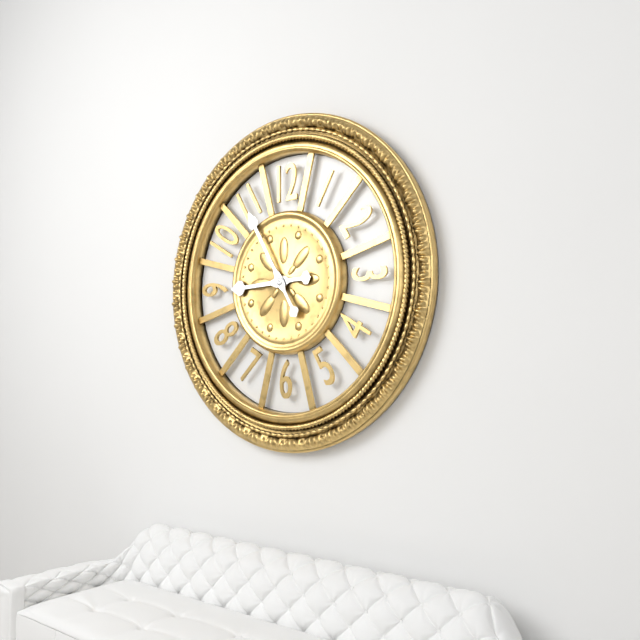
8.55
